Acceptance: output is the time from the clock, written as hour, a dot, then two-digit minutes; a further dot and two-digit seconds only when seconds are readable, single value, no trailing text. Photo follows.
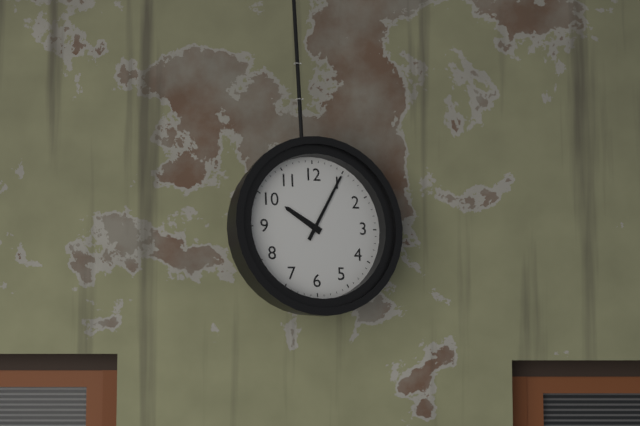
10.05
